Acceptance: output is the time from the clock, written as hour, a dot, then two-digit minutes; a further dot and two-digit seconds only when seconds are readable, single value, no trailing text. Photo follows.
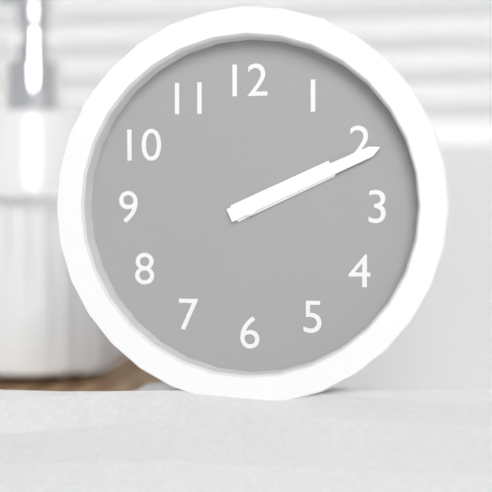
2.11
